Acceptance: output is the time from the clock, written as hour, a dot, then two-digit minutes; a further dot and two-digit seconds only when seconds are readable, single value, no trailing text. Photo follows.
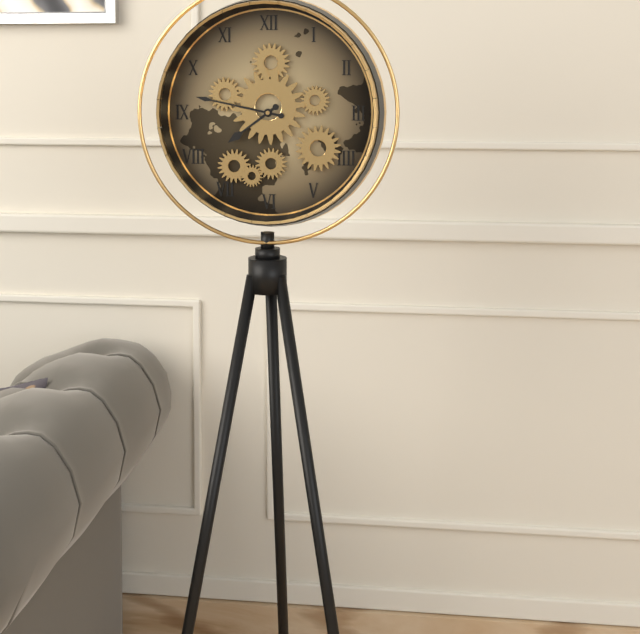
7.47
